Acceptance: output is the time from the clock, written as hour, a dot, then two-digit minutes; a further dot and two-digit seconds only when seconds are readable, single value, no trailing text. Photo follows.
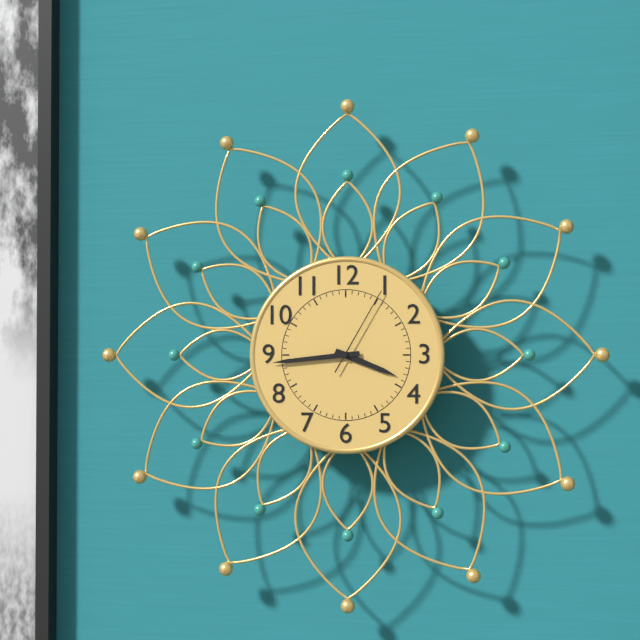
3.44.05
